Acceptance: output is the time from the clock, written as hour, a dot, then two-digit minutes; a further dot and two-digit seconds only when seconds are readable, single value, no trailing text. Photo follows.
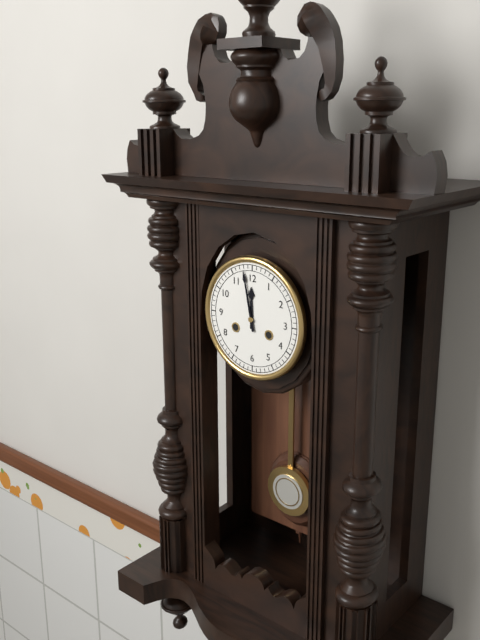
11.58
